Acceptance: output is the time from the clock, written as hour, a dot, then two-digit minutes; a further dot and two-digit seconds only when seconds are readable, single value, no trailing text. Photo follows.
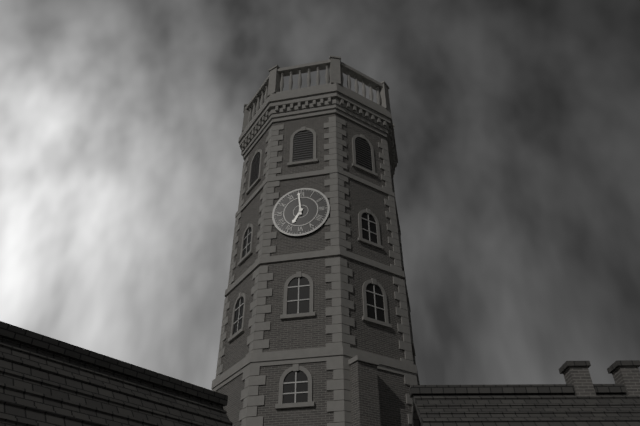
6.59
